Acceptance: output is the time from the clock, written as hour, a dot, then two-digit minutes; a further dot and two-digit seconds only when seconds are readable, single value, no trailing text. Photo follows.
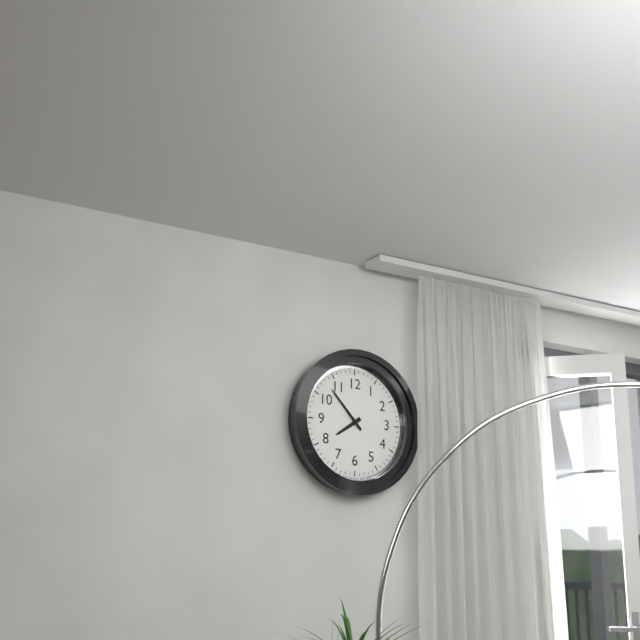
7.53
